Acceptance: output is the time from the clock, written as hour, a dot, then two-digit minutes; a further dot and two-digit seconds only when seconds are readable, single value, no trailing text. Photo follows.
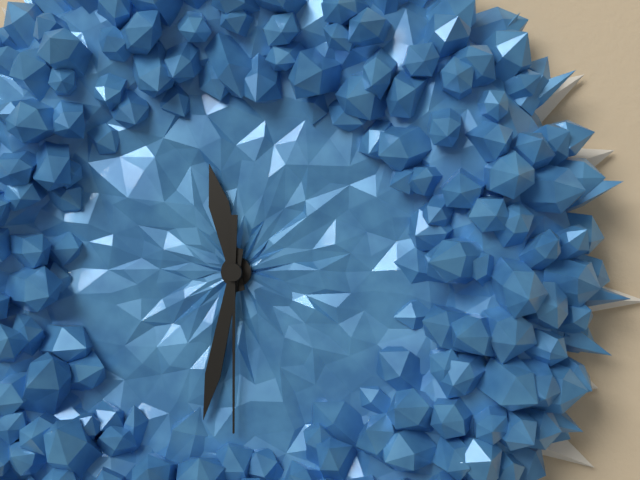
11.32.30
